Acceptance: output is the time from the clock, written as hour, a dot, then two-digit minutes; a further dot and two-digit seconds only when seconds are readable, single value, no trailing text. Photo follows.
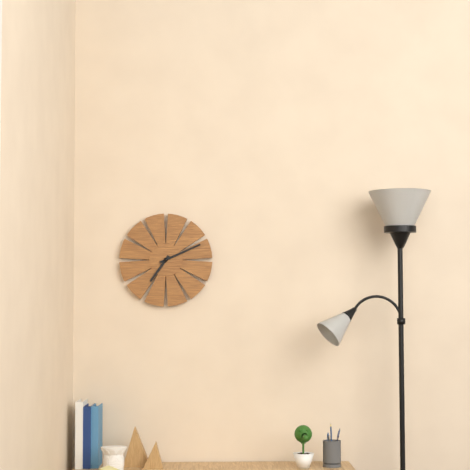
7.11
